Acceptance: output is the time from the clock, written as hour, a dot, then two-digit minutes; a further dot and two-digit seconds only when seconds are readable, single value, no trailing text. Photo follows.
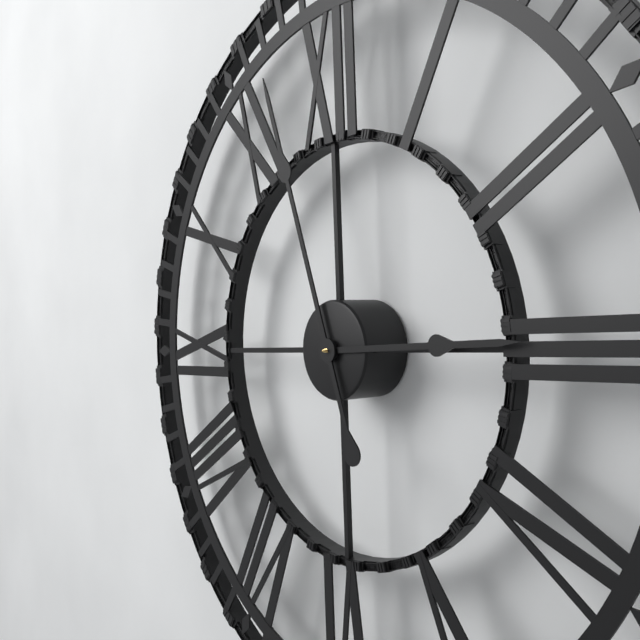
2.57
